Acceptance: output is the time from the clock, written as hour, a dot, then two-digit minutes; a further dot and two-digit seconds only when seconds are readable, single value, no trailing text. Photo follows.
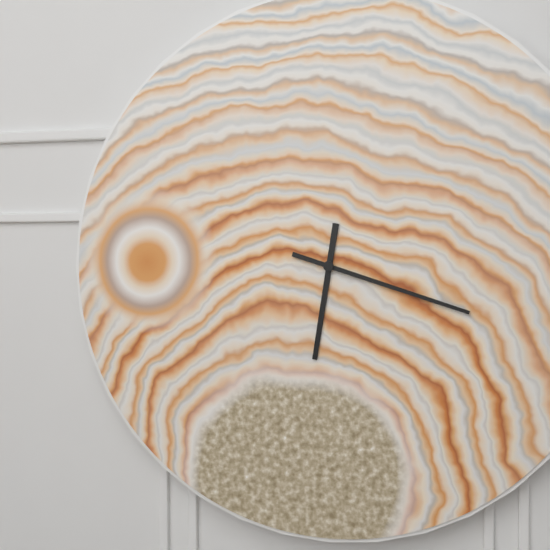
6.18
